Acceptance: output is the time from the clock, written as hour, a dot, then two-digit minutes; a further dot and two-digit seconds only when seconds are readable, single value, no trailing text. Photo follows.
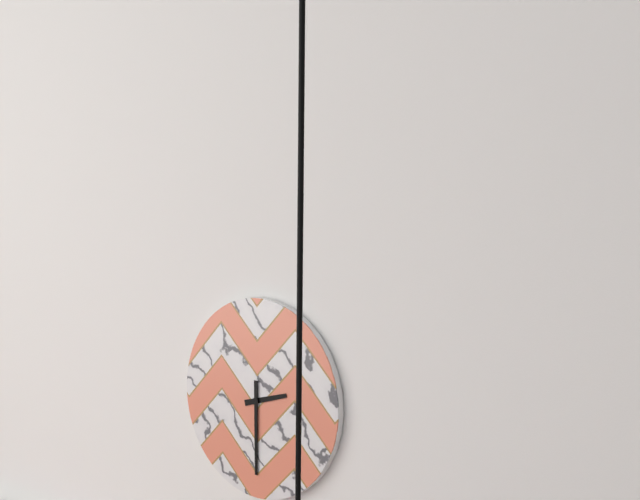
2.30
